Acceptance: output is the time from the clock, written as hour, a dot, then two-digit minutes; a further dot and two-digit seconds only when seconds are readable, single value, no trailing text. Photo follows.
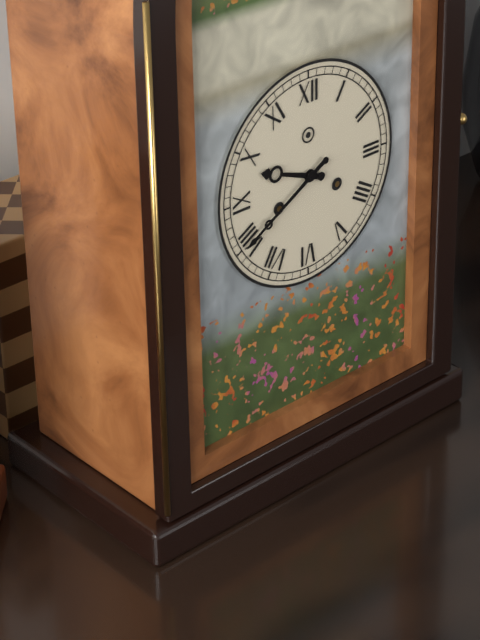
9.40
